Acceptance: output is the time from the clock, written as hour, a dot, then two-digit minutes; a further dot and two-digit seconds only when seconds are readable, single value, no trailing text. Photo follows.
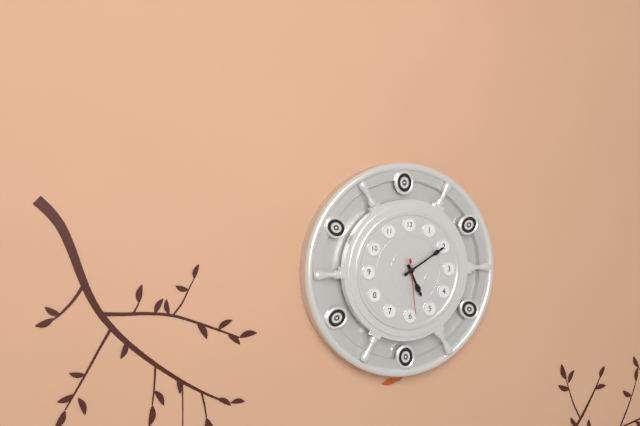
5.10.29
